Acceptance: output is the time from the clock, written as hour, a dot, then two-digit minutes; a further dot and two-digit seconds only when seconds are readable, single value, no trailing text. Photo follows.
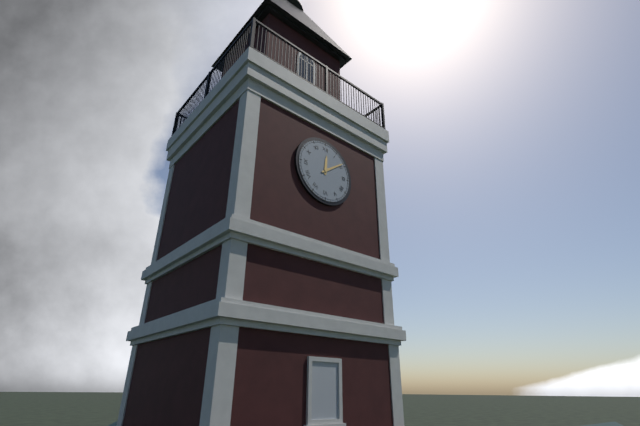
12.09
